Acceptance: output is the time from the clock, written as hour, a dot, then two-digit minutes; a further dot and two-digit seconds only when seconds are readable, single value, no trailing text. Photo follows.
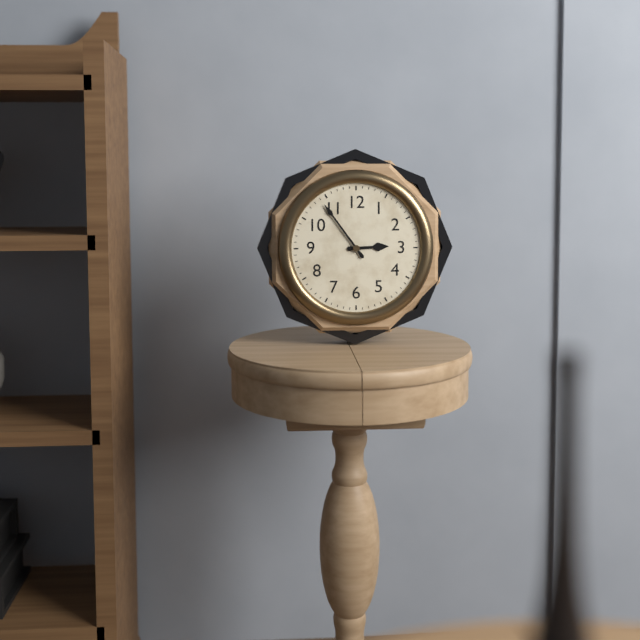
2.54
